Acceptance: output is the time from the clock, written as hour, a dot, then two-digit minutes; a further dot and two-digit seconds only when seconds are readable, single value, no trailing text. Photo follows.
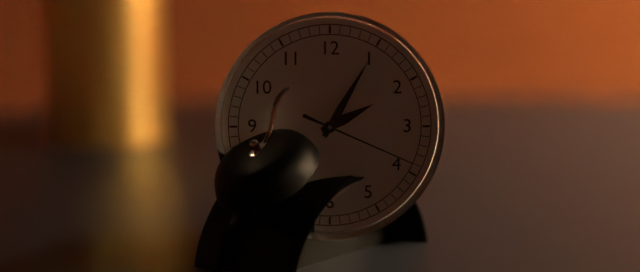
2.05.19
